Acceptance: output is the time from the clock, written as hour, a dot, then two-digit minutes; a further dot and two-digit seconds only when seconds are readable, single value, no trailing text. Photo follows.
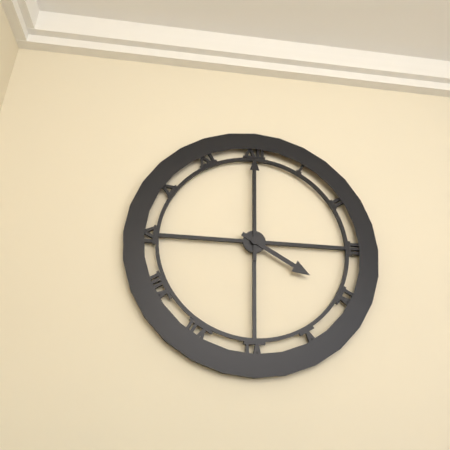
4.00
